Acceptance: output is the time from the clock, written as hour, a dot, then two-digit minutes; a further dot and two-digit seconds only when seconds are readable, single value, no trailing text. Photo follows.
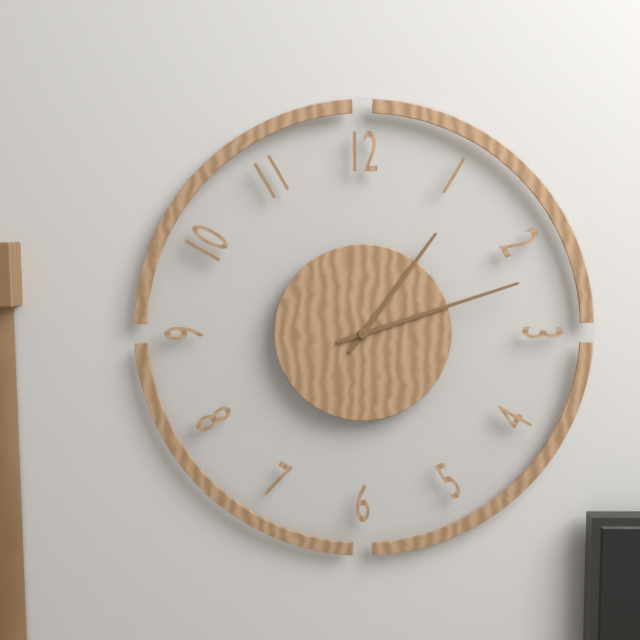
1.12
